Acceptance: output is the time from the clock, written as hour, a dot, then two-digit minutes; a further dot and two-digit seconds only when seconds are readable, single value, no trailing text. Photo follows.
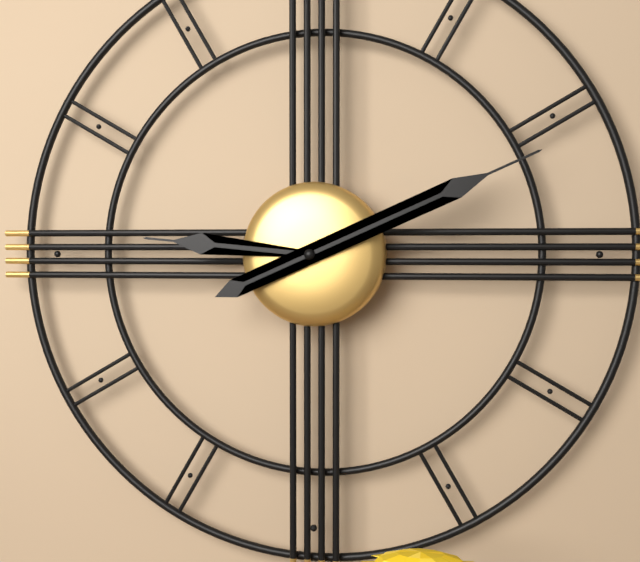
9.11
